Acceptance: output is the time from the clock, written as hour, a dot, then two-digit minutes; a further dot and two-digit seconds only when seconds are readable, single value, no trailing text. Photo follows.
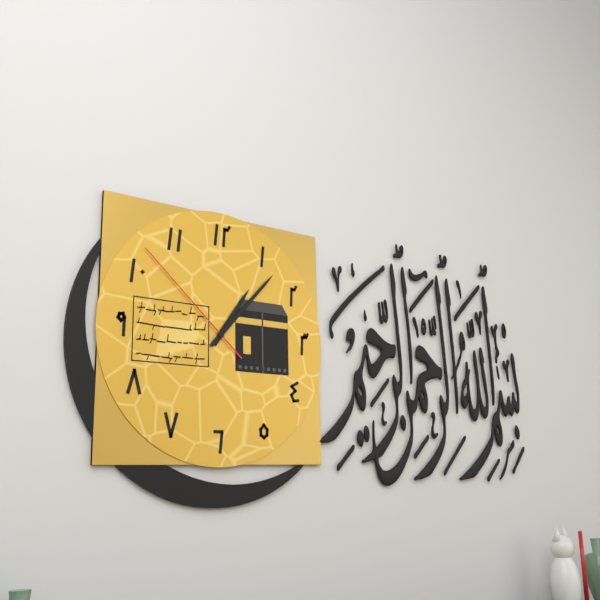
1.07.52
